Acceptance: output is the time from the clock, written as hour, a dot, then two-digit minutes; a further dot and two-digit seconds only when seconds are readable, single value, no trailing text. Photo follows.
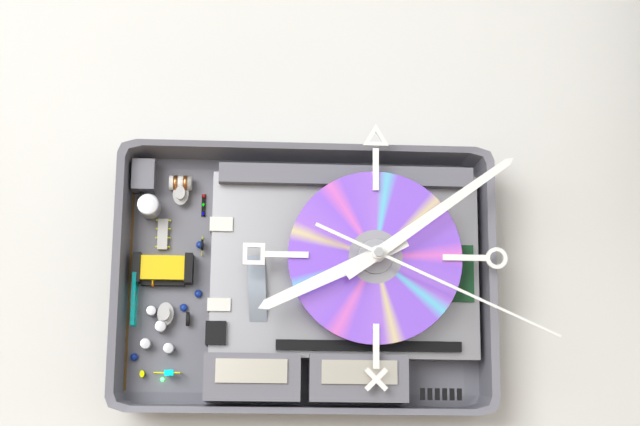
8.09.19
